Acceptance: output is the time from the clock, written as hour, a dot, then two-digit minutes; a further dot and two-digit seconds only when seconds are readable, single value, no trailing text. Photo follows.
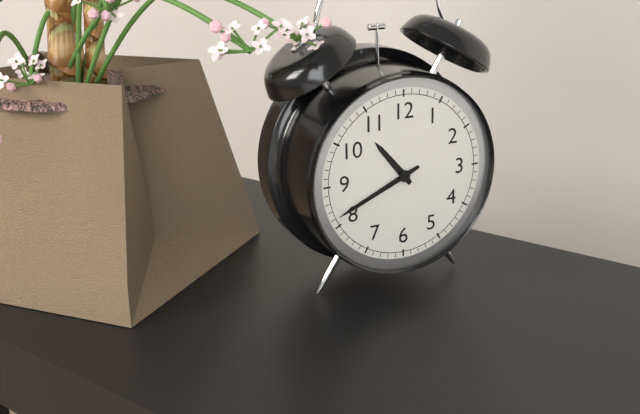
10.41
